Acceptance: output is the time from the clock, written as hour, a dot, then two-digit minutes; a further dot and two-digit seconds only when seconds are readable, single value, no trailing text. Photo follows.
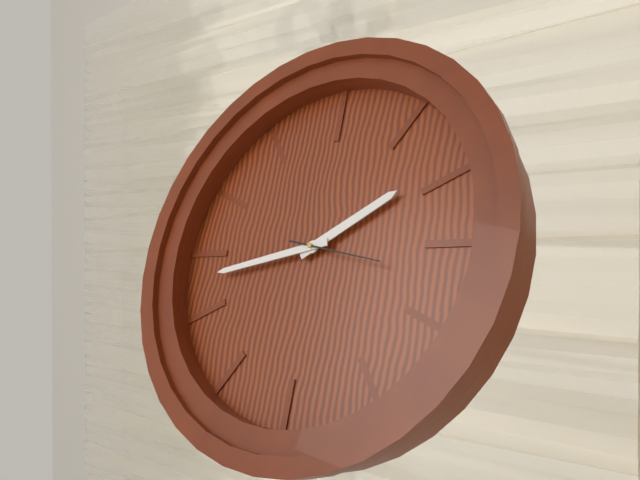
4.58.32
